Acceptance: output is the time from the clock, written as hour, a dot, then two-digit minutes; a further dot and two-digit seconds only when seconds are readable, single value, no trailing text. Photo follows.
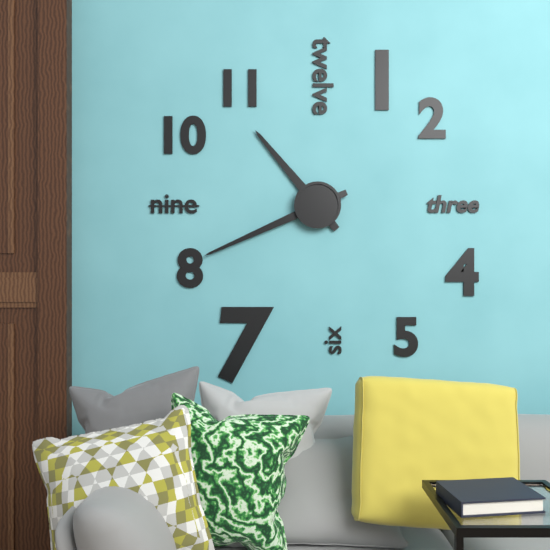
10.41
